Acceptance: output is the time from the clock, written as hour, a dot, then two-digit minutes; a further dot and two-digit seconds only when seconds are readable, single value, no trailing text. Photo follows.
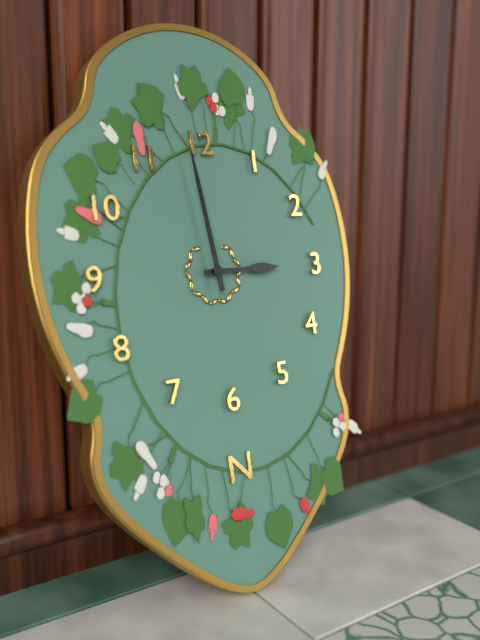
2.59
